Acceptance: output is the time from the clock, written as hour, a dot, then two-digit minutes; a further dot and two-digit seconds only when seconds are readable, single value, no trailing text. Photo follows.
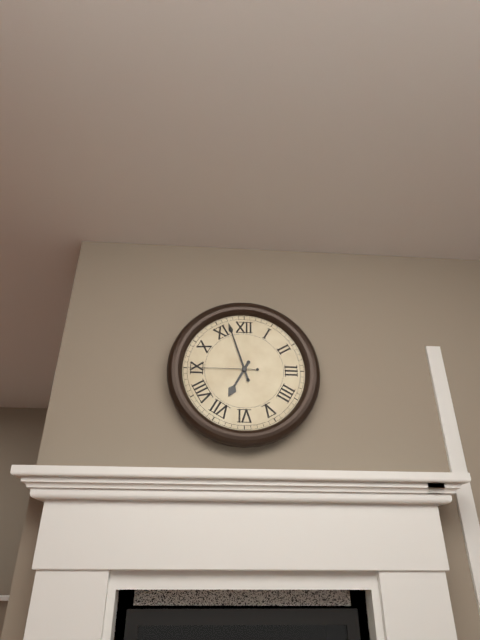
6.57.45
